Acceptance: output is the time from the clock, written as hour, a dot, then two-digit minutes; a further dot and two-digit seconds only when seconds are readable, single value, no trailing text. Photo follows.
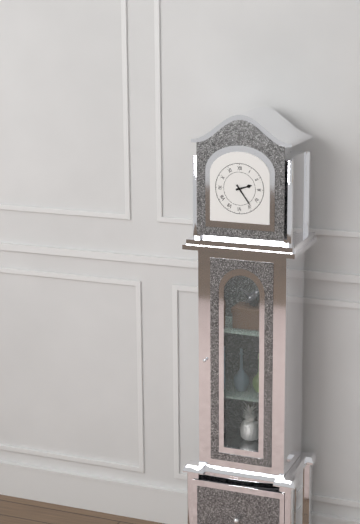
2.24
